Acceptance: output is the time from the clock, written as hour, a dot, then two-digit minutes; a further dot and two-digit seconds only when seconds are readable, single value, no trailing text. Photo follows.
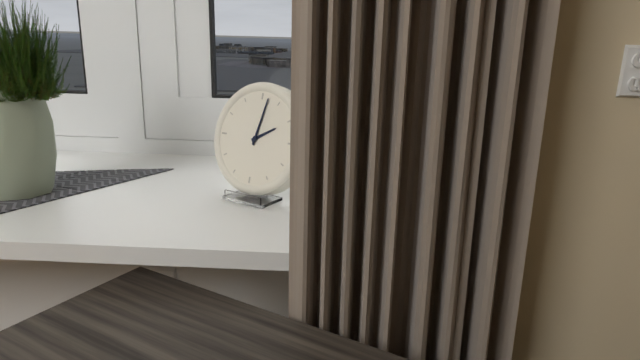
2.02
